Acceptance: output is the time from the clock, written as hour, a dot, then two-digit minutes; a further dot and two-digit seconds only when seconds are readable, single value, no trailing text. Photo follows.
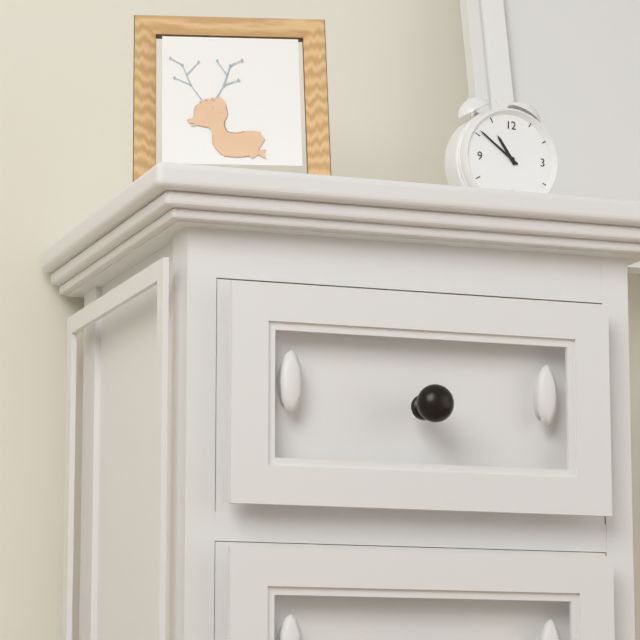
10.51
